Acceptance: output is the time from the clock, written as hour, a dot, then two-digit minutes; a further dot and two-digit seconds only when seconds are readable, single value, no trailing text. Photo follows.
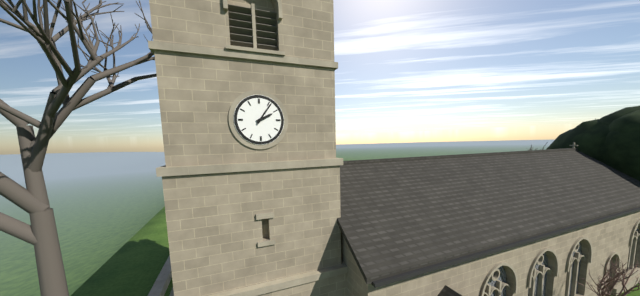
2.06
